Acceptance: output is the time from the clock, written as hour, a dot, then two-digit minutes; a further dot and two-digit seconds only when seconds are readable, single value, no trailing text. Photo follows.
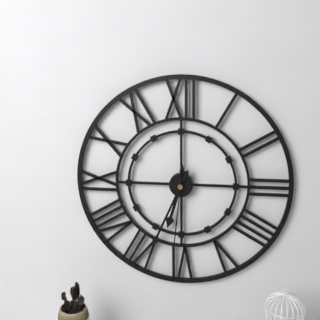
6.34.31
